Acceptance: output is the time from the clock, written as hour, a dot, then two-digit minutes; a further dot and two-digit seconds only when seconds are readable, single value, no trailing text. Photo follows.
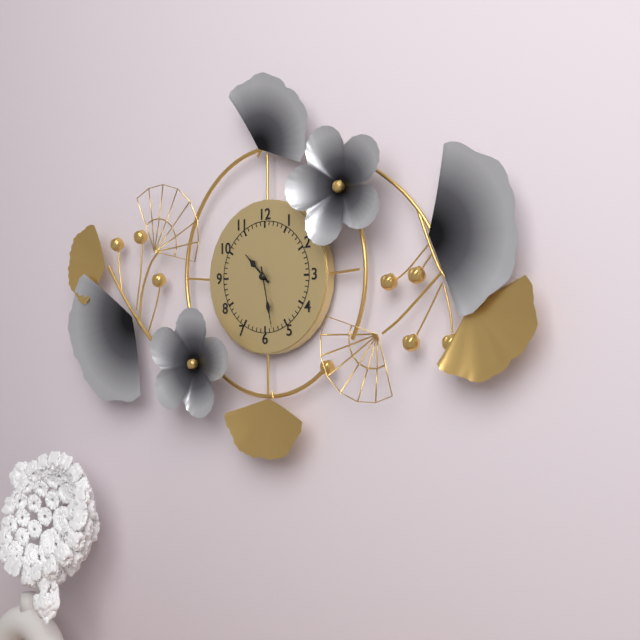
10.28
